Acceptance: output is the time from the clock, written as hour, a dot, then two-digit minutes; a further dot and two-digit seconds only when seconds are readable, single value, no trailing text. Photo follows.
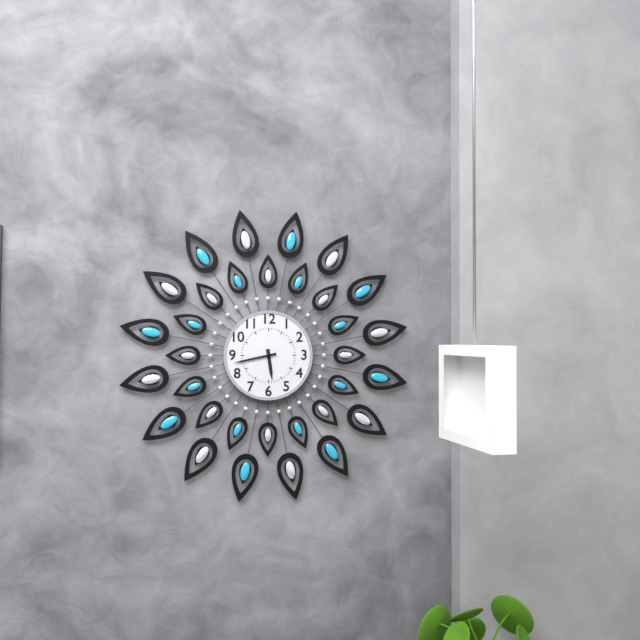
5.43
